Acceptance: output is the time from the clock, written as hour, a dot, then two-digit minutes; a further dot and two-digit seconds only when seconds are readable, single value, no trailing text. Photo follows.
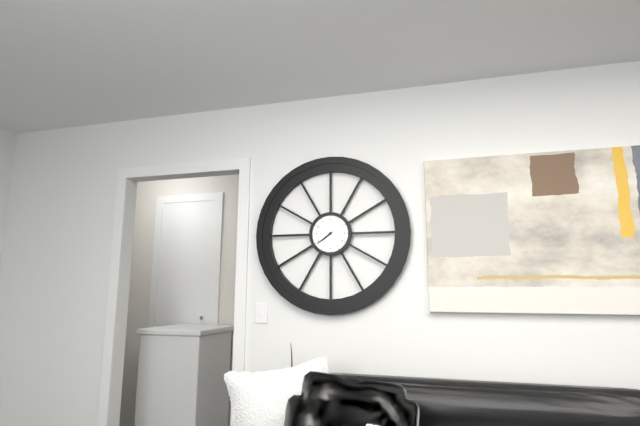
7.39
